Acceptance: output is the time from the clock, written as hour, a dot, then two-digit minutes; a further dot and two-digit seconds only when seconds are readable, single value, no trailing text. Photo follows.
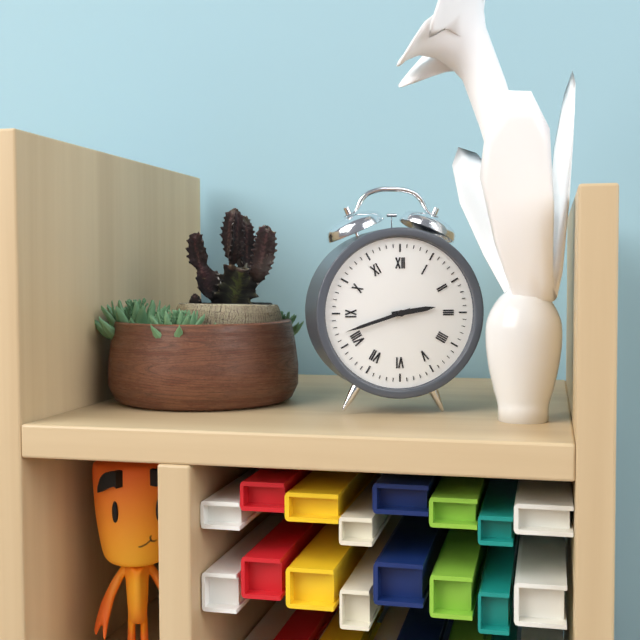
2.42
